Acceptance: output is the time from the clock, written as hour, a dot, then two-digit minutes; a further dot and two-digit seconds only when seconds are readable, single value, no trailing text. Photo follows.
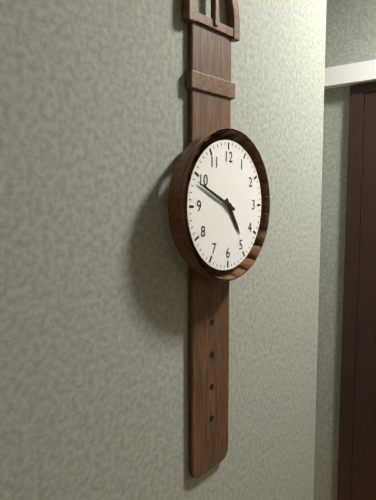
4.49
